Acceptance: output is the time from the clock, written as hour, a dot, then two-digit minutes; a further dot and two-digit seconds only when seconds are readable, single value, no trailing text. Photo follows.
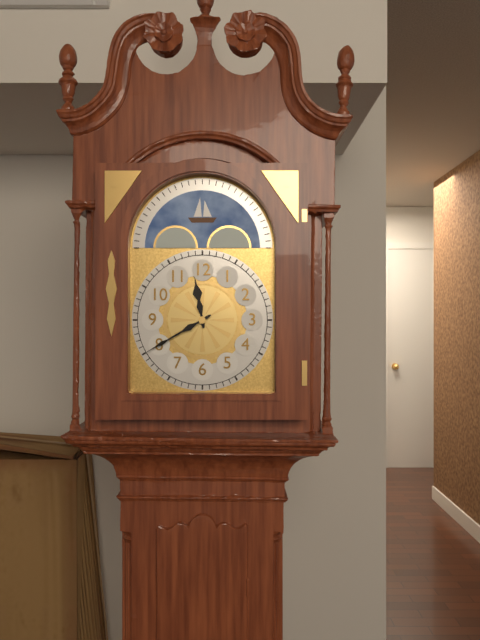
11.40
